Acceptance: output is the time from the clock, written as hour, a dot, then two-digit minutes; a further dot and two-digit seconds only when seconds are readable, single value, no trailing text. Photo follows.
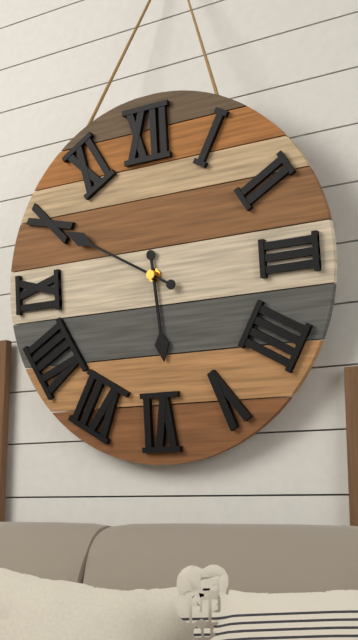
5.50
